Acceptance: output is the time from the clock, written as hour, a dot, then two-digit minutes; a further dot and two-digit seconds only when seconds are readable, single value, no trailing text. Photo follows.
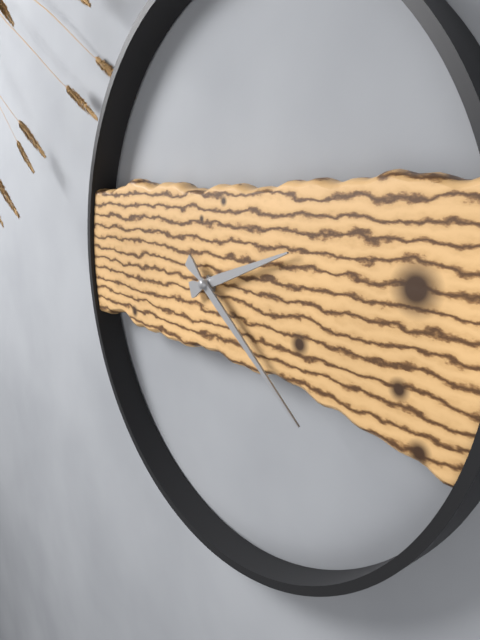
2.21
